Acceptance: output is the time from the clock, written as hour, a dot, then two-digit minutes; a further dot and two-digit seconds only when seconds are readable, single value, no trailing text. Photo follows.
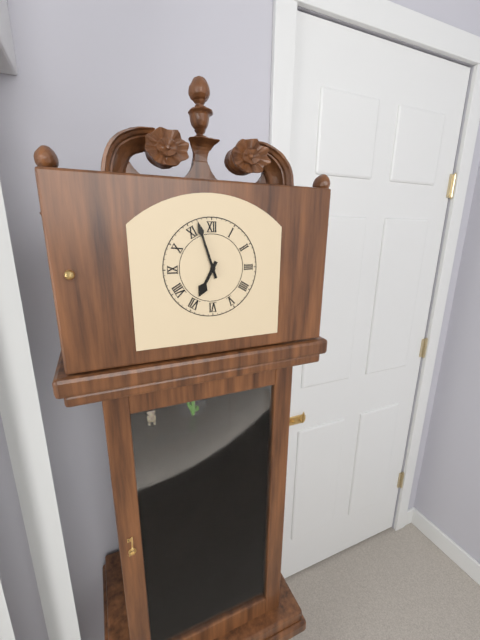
6.57
